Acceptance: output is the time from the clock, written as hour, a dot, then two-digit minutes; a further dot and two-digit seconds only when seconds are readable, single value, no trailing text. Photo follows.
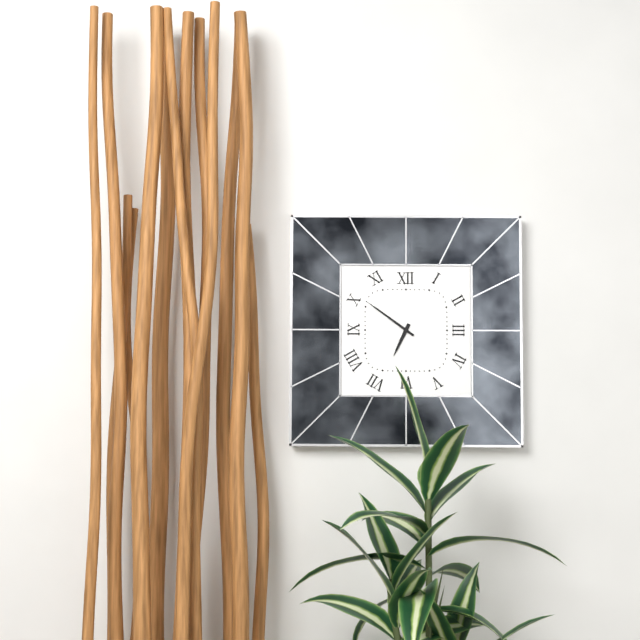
6.51
